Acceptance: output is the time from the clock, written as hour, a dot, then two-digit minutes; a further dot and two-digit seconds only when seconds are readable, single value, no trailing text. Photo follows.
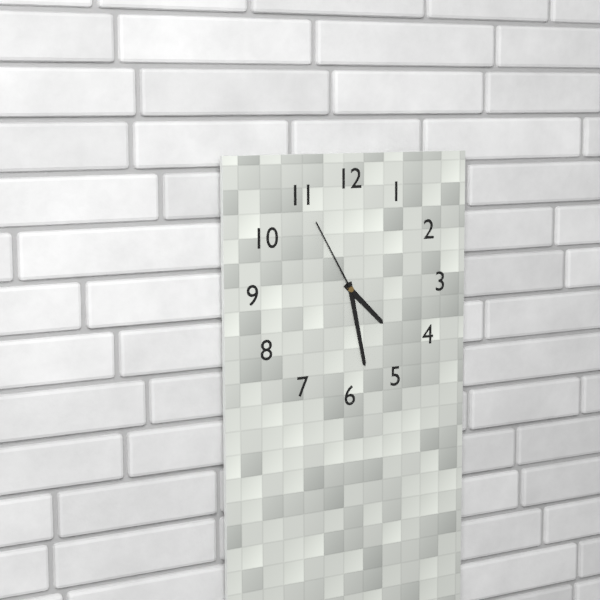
4.28.55
